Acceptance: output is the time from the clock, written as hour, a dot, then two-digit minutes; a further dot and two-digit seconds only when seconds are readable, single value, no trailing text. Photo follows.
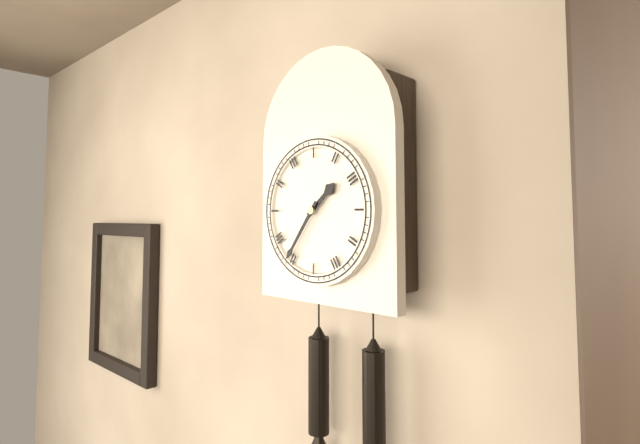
1.36
